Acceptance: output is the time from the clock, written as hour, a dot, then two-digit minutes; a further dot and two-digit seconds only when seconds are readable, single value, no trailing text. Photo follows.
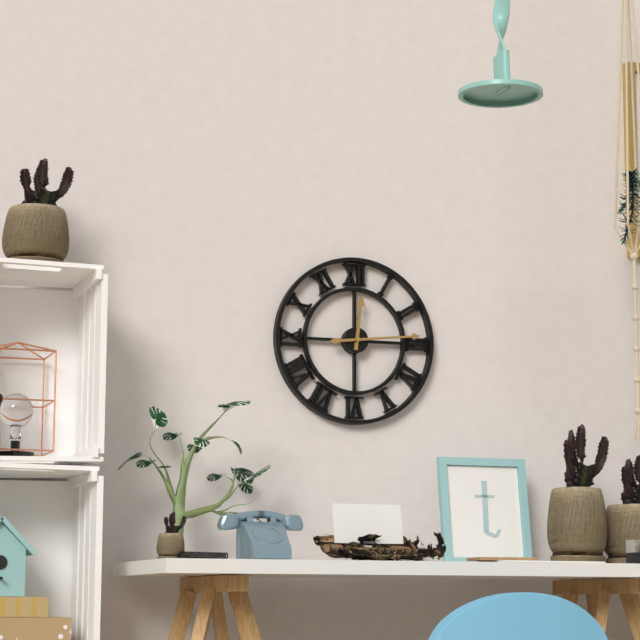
12.14
